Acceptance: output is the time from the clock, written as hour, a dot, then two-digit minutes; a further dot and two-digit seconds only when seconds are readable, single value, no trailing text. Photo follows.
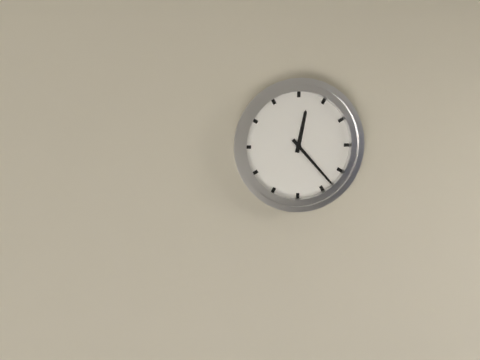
12.23
